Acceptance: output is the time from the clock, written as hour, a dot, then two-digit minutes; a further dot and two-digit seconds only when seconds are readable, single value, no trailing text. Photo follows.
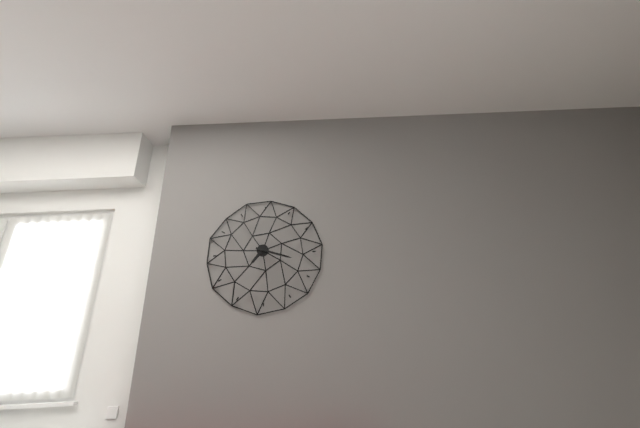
7.18
